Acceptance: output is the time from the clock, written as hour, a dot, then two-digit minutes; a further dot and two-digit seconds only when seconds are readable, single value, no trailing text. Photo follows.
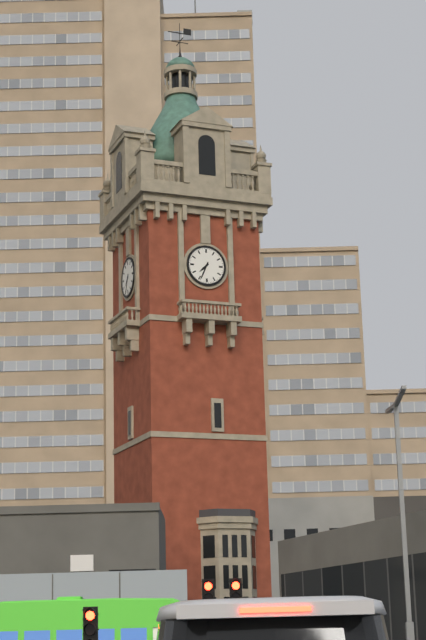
7.34
